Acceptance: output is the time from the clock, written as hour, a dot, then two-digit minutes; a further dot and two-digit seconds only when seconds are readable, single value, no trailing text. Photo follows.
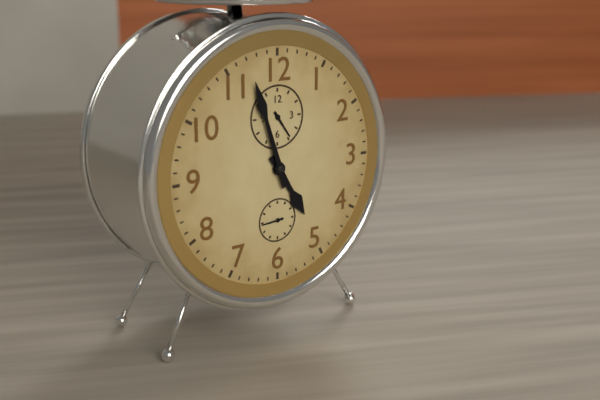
4.57
